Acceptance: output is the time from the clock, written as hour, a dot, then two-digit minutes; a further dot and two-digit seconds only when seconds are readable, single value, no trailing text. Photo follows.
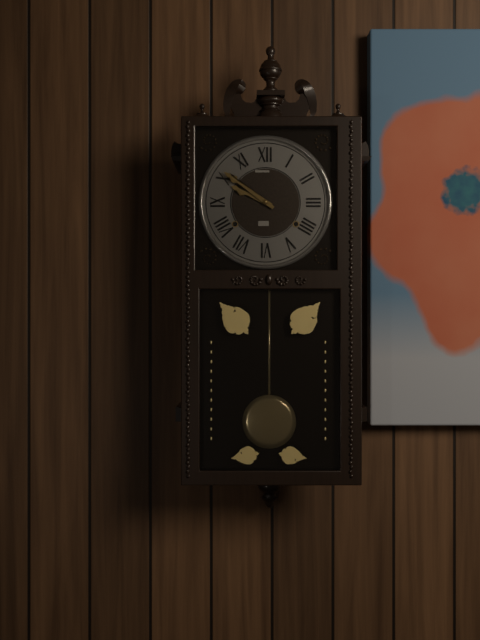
9.51
